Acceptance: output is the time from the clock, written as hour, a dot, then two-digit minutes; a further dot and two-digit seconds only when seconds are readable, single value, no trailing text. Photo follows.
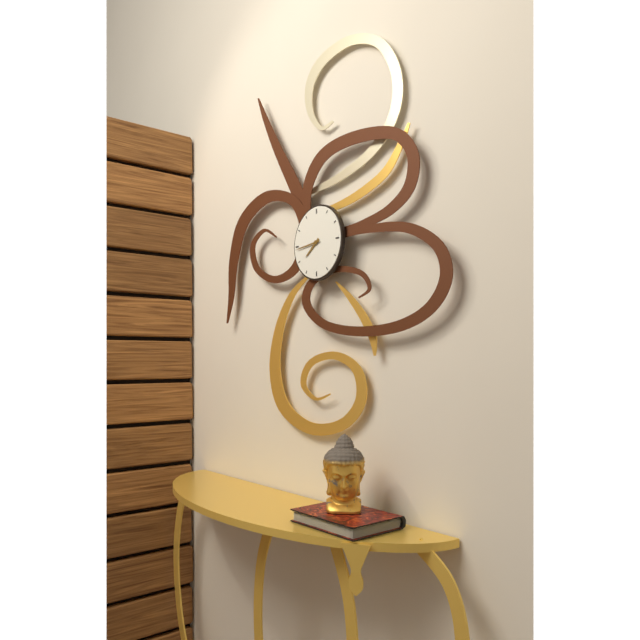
7.44
